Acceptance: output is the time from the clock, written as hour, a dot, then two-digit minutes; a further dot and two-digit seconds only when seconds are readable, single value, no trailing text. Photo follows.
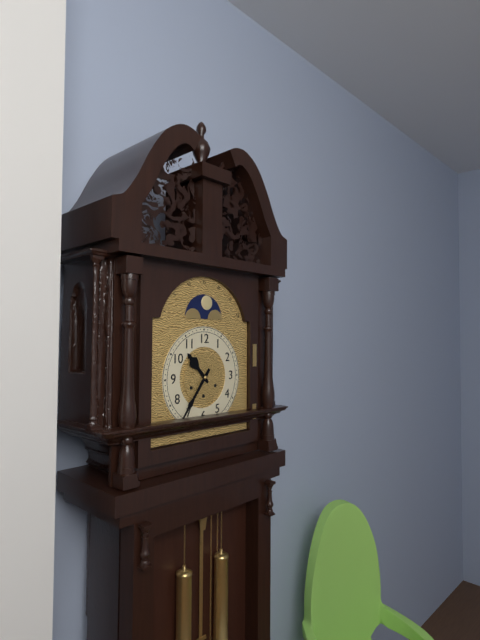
10.36
